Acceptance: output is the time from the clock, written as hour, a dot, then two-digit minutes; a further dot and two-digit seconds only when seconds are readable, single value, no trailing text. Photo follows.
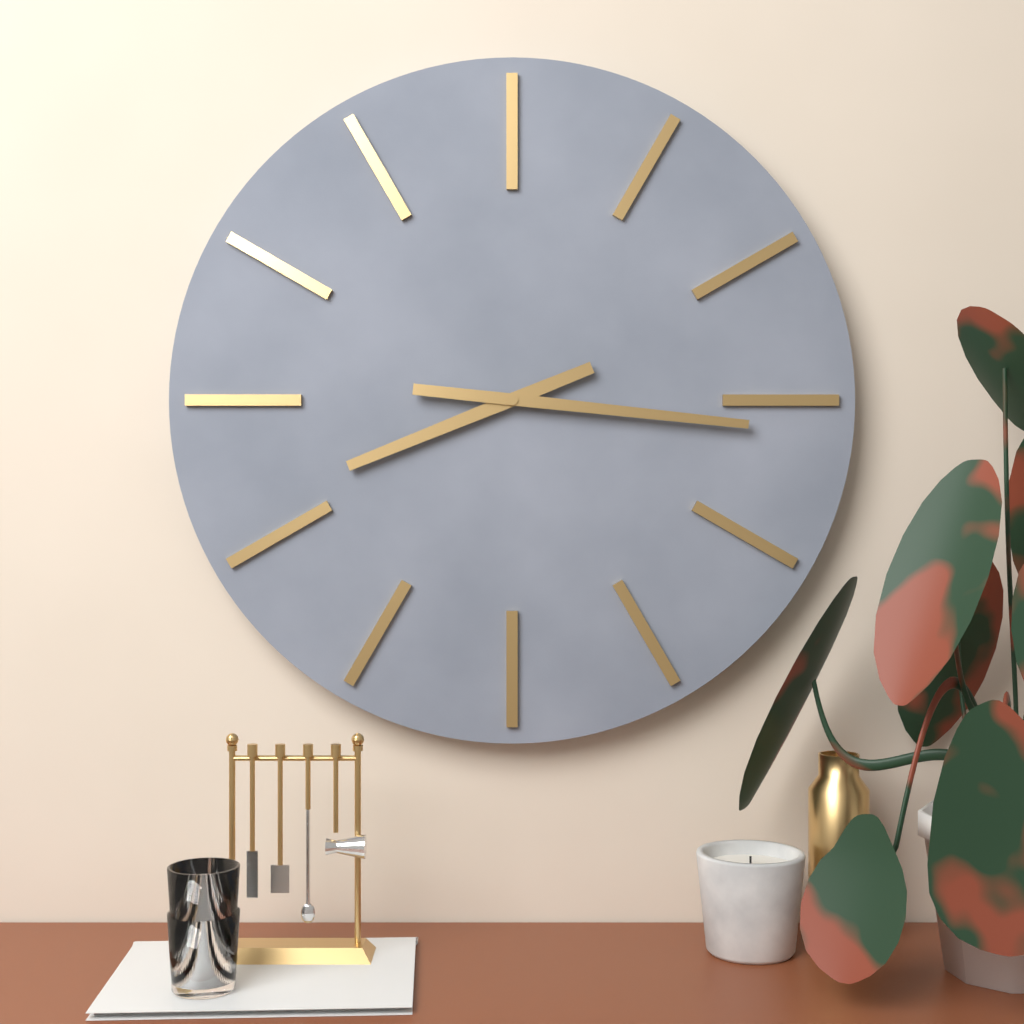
8.16
